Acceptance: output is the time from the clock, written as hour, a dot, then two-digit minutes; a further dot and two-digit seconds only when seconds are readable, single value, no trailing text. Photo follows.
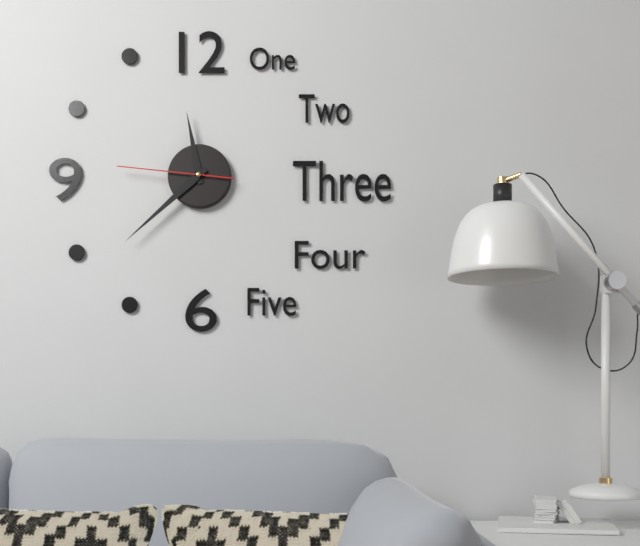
11.38.46
